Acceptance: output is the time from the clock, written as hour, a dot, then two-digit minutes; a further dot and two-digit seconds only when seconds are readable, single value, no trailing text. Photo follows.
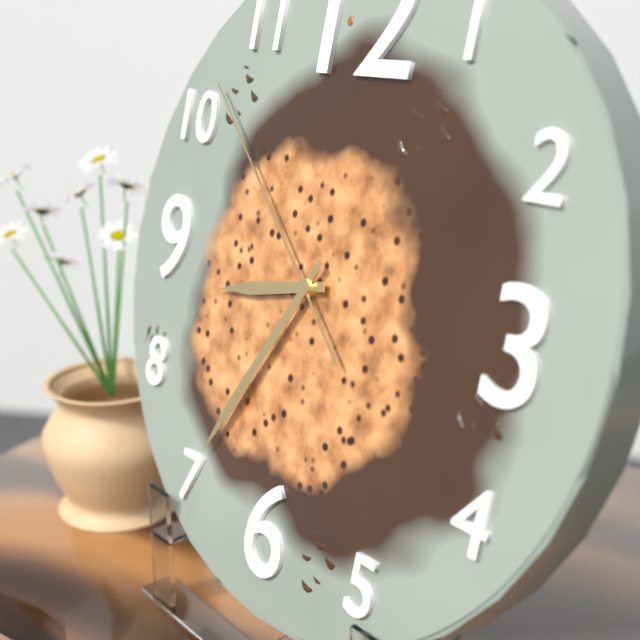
8.35.52
